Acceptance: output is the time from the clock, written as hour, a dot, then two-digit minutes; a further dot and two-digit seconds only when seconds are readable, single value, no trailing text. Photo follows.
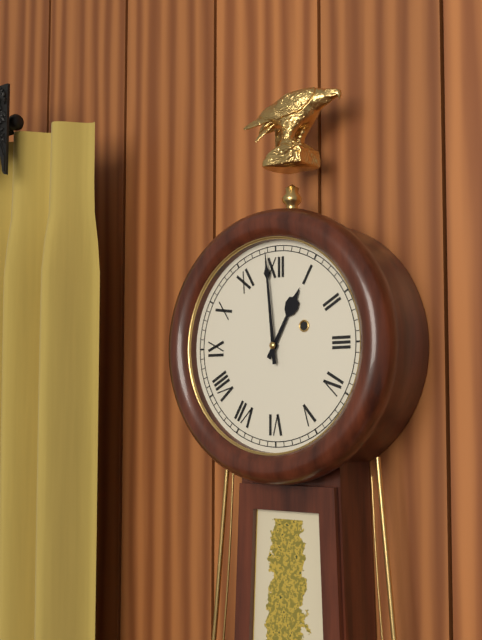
12.59
